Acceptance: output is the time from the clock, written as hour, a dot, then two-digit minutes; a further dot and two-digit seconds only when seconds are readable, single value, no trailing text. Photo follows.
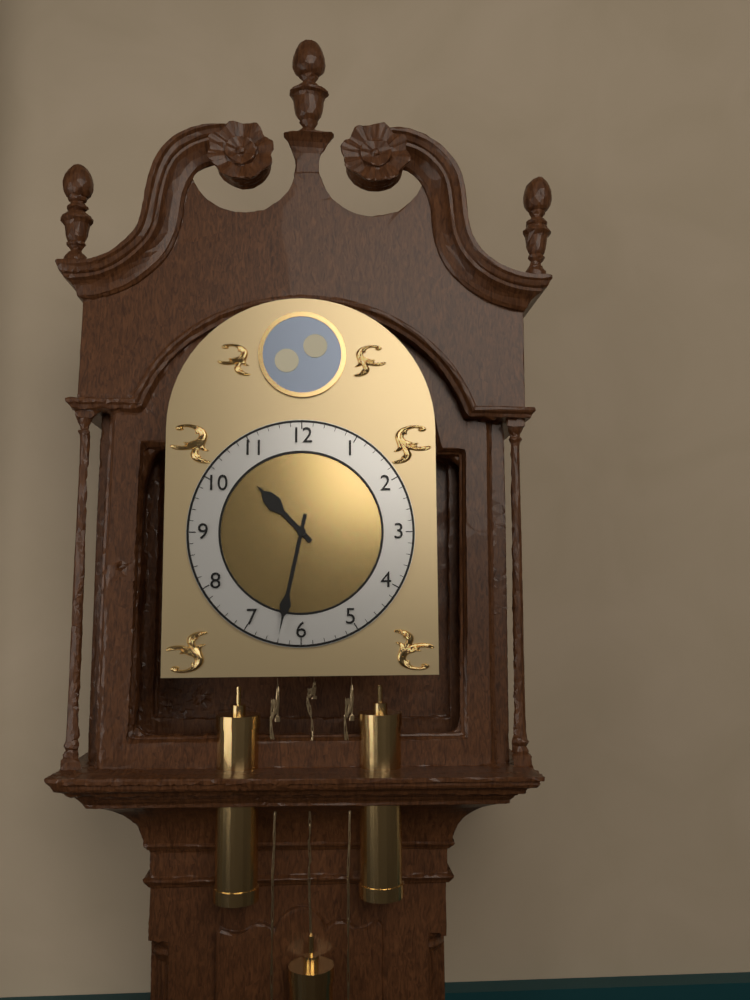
10.32
